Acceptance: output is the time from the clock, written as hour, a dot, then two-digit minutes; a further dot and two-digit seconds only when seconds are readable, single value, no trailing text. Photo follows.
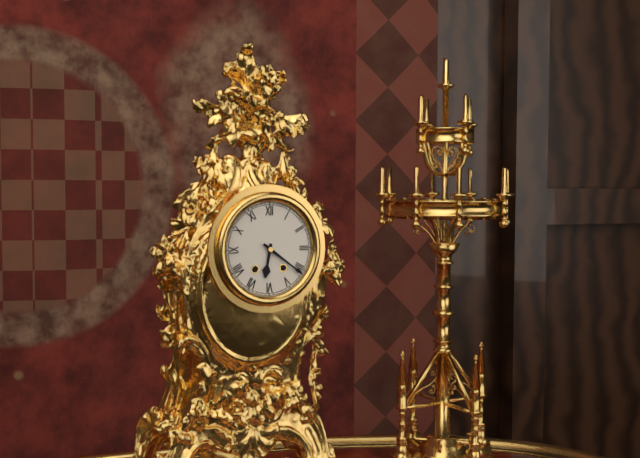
6.21
